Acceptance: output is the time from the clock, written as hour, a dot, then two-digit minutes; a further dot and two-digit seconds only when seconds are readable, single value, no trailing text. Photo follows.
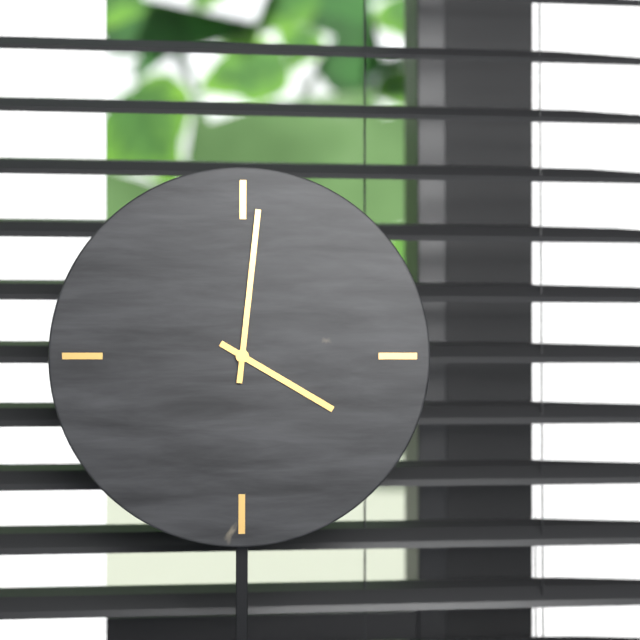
4.01
